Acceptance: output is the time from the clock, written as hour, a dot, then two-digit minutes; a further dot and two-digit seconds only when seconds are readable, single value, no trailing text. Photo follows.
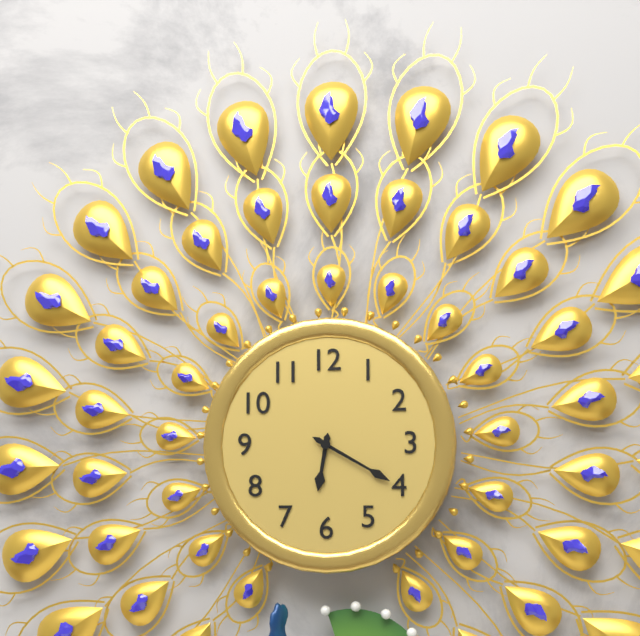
6.20
